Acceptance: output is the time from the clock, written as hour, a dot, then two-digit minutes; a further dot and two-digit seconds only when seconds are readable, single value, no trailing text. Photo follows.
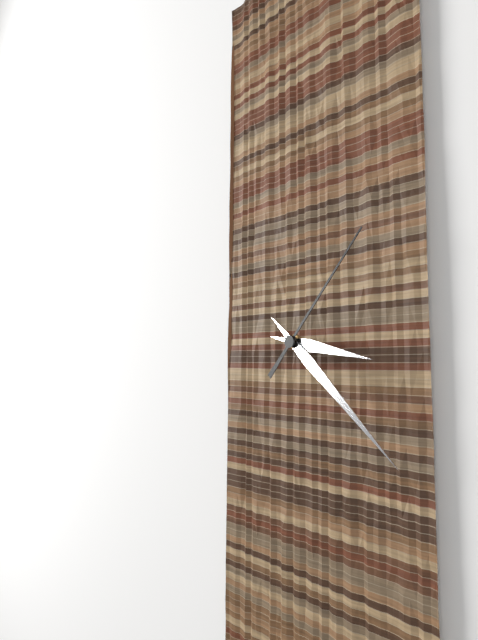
3.22.07
